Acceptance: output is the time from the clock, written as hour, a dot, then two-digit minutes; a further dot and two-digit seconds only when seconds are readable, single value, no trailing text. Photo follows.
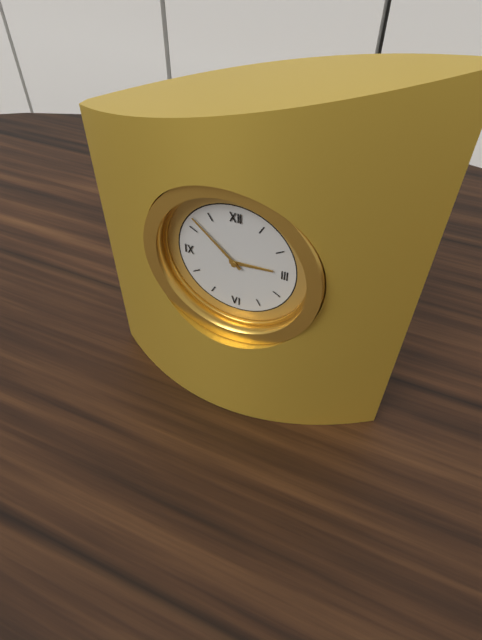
2.52
